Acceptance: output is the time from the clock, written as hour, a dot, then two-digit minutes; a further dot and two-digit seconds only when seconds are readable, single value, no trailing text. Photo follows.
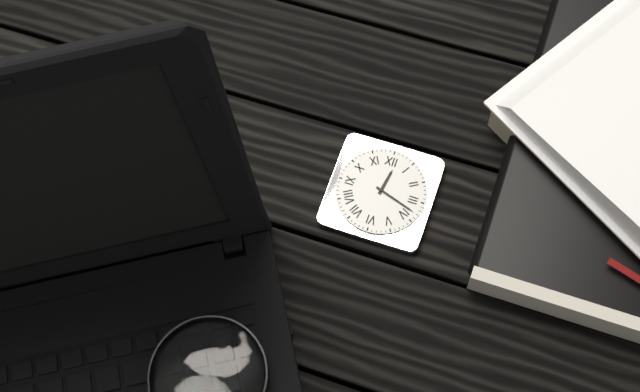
12.18
